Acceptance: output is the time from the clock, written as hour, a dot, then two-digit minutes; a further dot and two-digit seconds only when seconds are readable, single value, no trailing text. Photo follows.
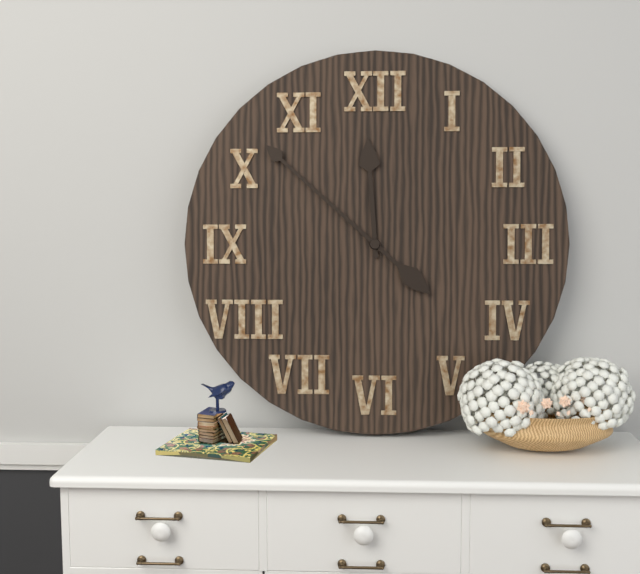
11.52
